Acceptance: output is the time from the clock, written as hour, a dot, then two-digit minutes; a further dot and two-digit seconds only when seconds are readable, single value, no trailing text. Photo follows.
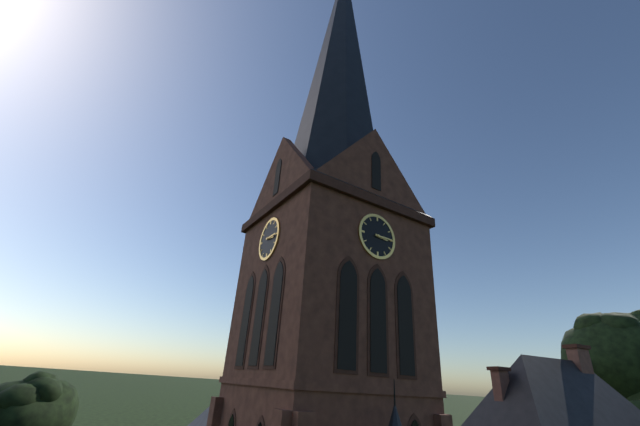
3.15
